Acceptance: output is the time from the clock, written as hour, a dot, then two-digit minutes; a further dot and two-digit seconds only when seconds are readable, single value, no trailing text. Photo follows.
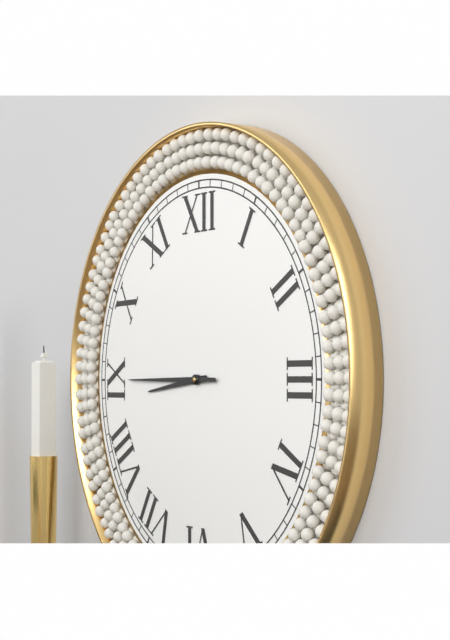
8.45
